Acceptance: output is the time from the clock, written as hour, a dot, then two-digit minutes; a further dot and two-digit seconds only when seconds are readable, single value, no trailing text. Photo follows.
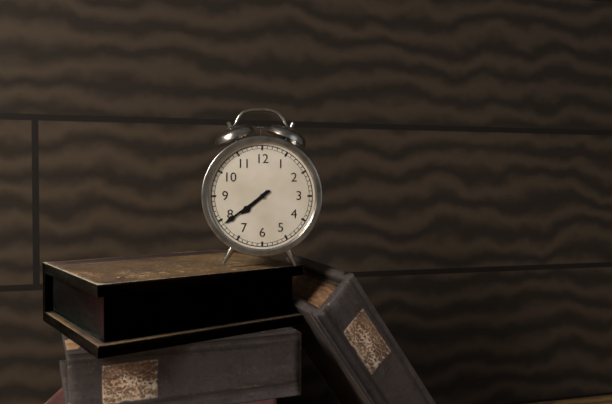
7.39
